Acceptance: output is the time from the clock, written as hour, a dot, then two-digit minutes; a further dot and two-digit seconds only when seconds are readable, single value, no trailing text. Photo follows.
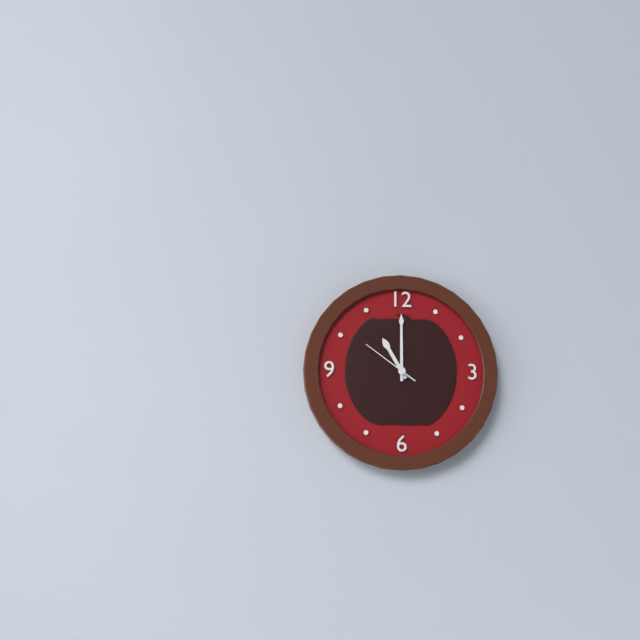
11.00.51
